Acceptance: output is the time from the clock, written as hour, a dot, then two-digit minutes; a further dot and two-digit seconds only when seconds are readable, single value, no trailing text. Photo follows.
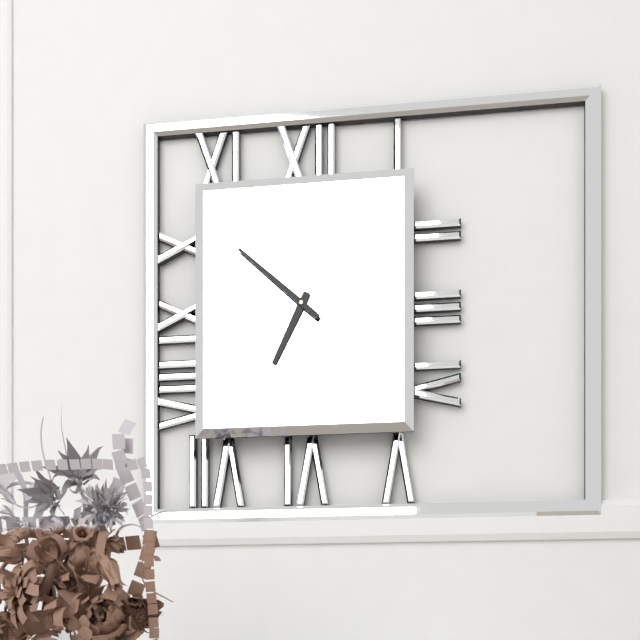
6.52
